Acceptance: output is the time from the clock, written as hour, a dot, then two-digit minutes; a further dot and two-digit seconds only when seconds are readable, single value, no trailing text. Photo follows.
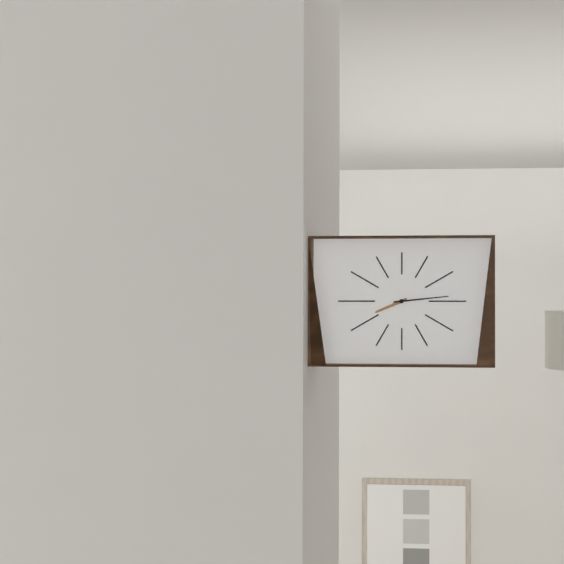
8.14
